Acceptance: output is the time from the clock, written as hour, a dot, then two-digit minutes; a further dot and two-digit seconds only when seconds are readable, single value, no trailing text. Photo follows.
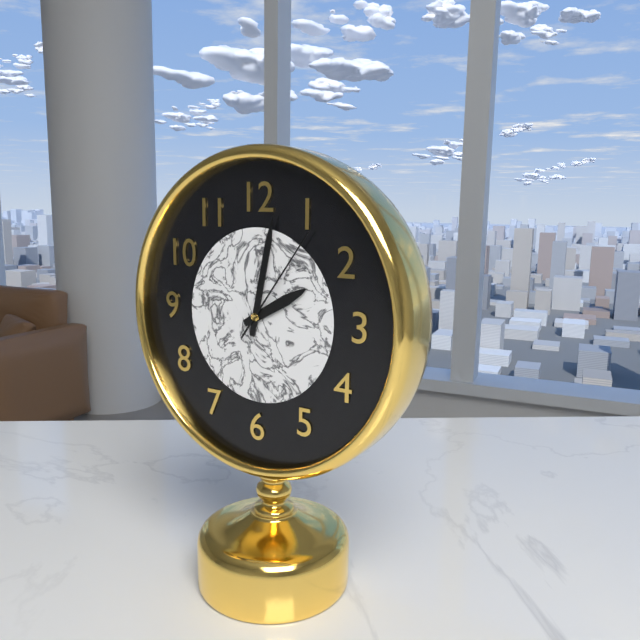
2.02.06
